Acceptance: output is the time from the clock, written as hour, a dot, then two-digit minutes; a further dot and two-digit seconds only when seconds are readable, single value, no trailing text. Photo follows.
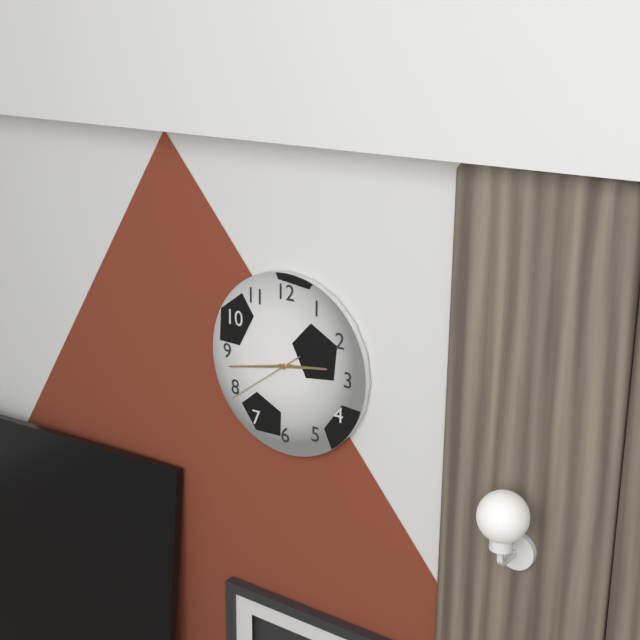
2.43.39
